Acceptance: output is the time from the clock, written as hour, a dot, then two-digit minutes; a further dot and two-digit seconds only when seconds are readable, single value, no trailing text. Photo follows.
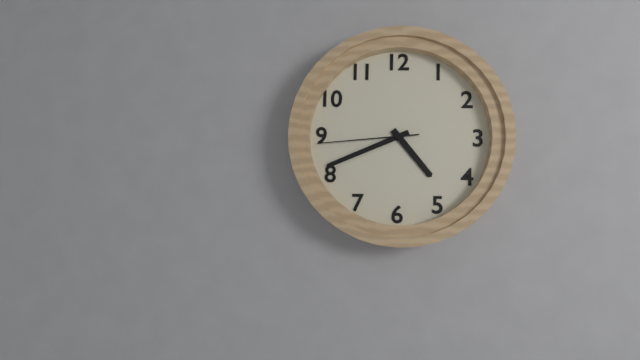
4.41.44
